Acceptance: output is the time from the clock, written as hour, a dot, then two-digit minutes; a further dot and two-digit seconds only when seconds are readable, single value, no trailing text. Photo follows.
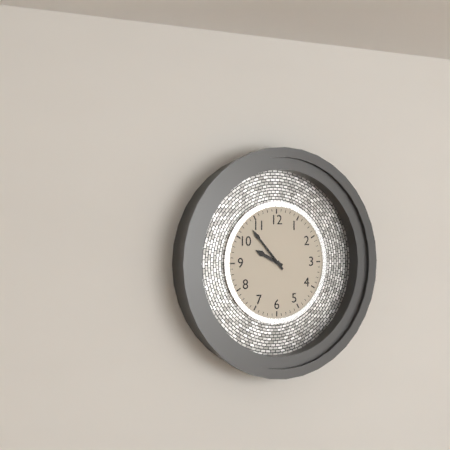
9.53
